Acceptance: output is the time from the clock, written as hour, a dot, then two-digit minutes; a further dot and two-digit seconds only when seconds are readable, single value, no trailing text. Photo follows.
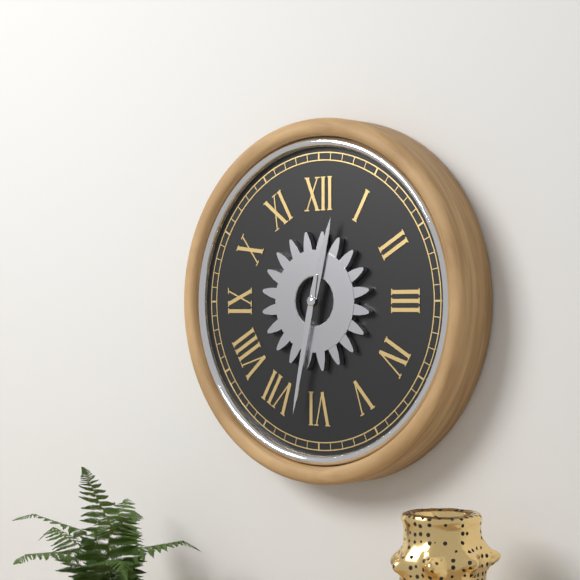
12.32
